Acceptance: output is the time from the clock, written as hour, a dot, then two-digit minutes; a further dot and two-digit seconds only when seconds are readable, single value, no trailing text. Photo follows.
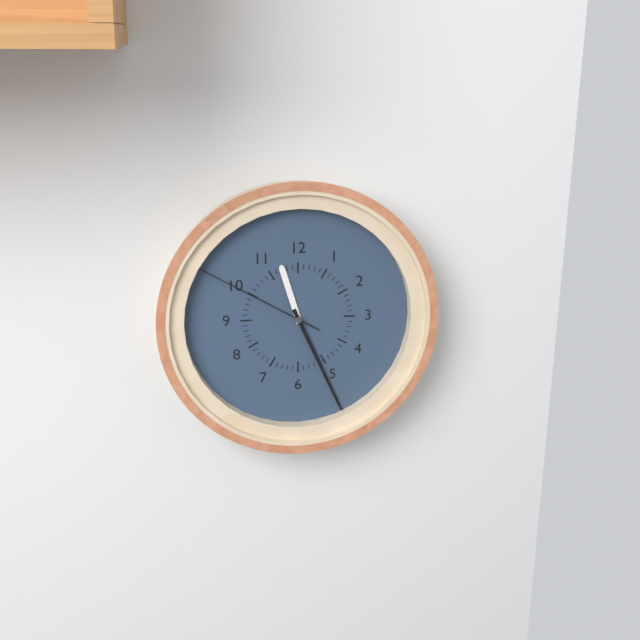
11.26.50
